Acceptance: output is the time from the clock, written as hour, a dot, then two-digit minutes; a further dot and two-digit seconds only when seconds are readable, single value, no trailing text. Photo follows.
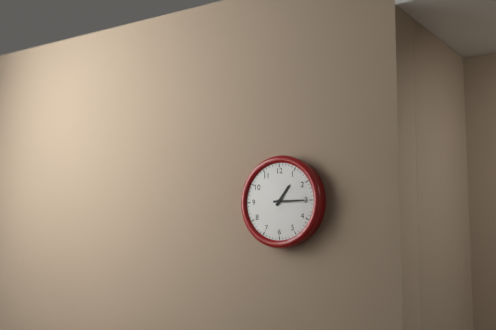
1.15
